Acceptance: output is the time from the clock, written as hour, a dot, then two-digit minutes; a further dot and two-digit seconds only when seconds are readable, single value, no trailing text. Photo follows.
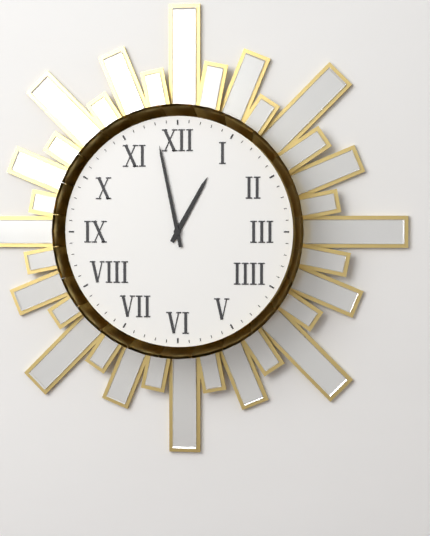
12.58
